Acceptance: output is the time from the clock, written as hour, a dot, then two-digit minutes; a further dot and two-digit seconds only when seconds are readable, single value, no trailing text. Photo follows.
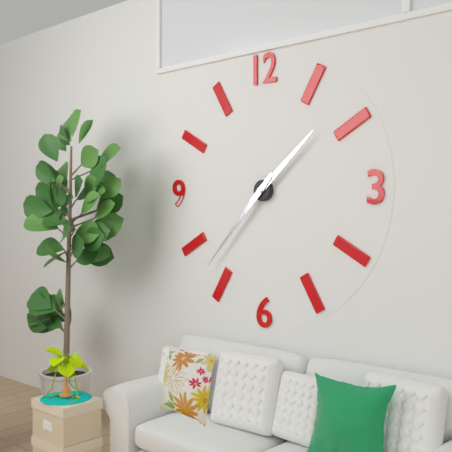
1.37
